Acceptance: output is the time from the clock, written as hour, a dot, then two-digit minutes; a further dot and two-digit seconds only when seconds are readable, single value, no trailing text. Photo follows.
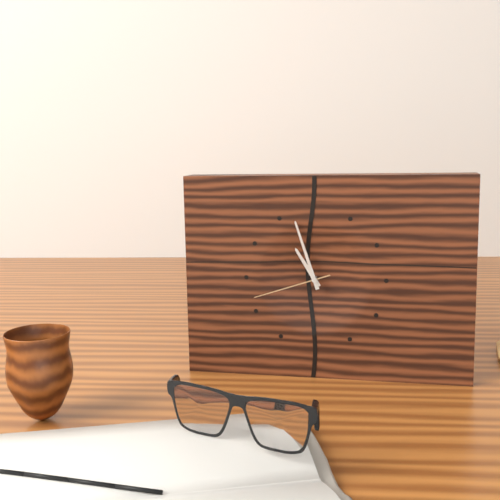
10.57.42
